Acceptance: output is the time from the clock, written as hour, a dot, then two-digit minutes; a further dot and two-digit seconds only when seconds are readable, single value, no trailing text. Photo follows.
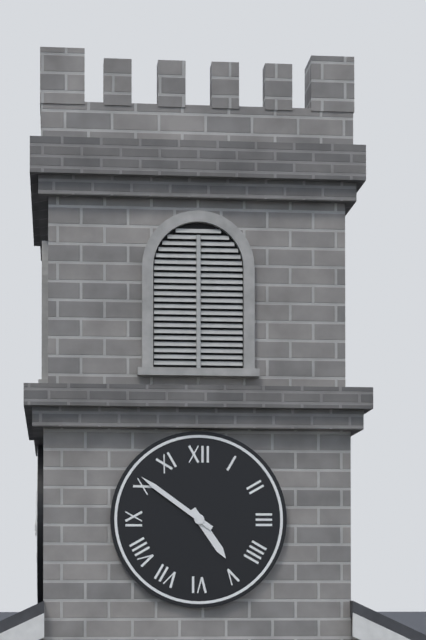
4.51
